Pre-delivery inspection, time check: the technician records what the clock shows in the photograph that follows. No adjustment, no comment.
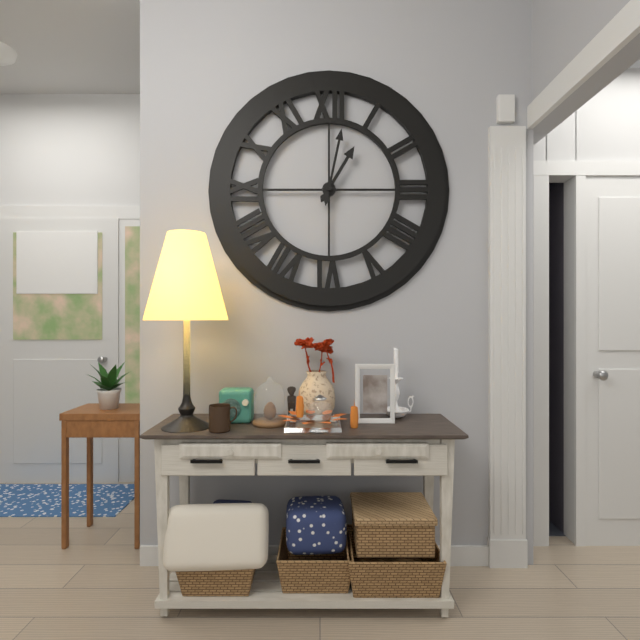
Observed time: 1:02
